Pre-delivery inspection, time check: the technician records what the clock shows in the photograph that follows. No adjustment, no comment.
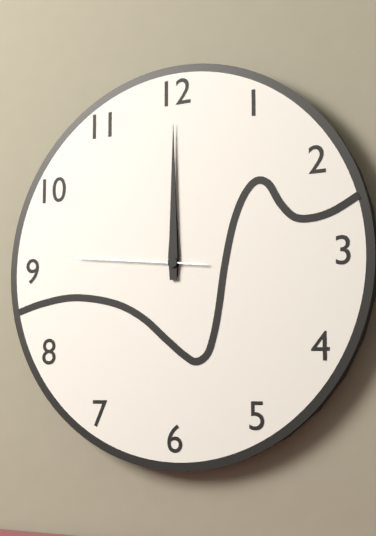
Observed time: 12:00:46
